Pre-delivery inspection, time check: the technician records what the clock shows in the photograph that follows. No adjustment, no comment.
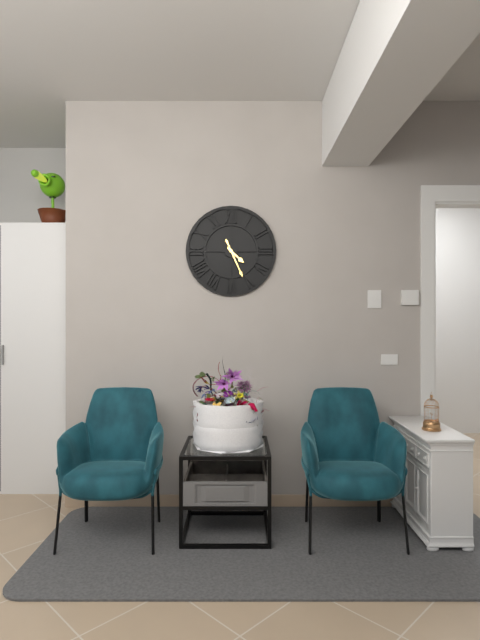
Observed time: 4:26
